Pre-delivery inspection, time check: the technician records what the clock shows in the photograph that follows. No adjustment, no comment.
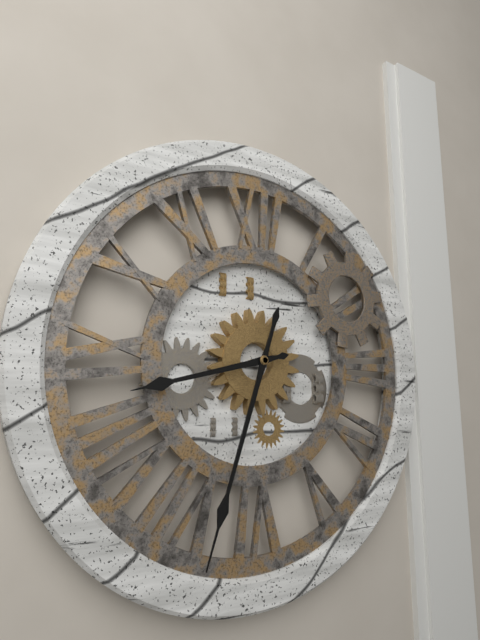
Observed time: 8:33
